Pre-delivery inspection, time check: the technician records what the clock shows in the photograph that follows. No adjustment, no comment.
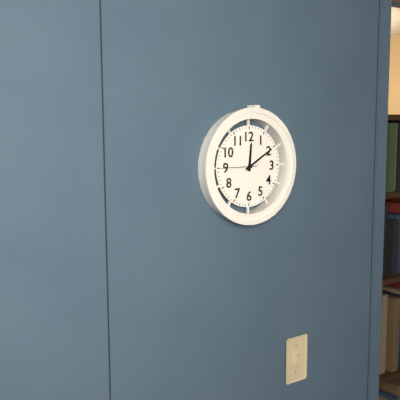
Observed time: 12:10
